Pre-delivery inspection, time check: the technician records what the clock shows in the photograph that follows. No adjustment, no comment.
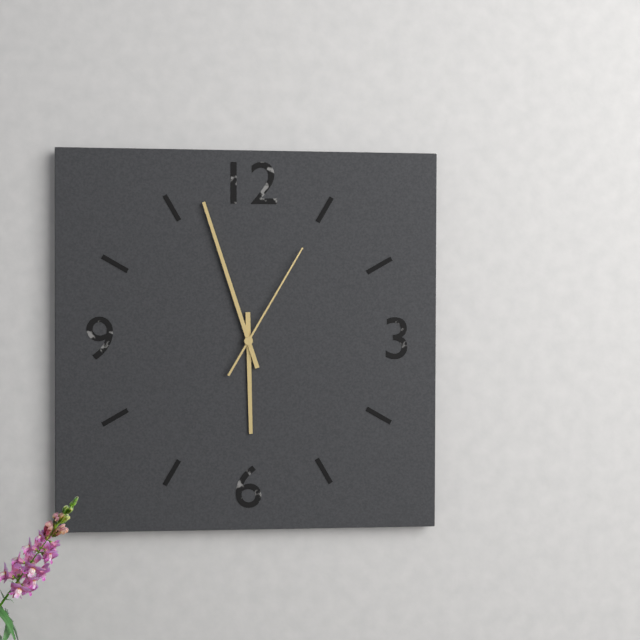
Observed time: 5:57:05
